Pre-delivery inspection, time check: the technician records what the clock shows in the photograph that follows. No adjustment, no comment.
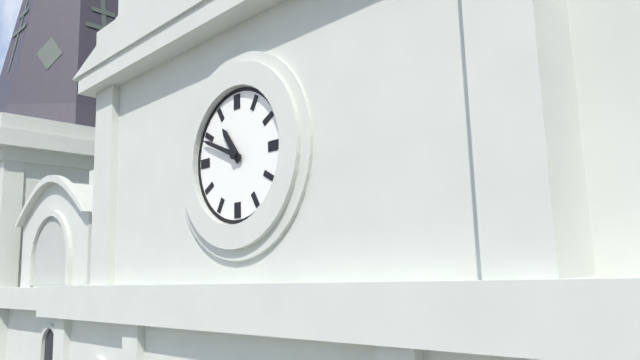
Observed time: 10:49
